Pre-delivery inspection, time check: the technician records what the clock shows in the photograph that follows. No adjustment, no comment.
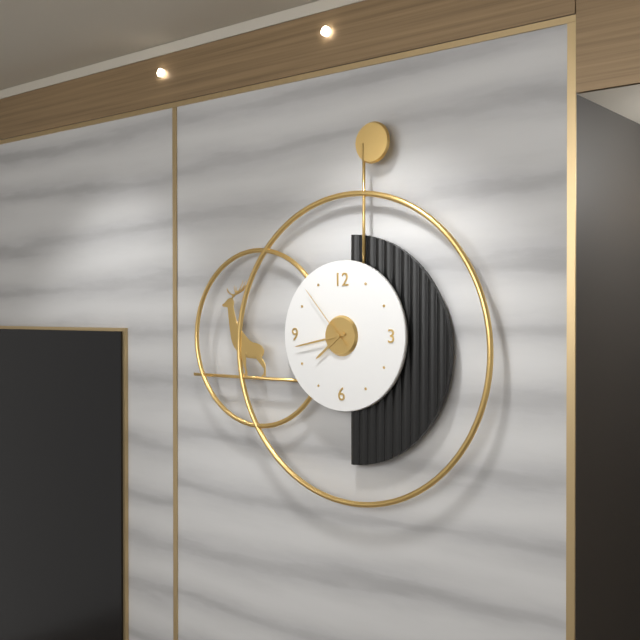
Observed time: 7:43:53
